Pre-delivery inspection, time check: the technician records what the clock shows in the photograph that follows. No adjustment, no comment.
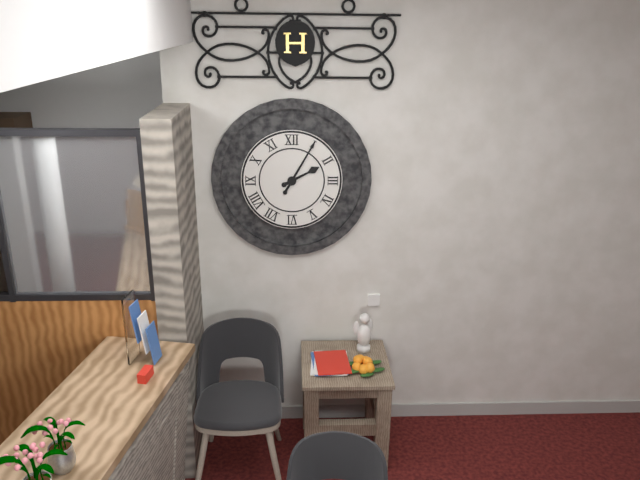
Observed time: 2:05
